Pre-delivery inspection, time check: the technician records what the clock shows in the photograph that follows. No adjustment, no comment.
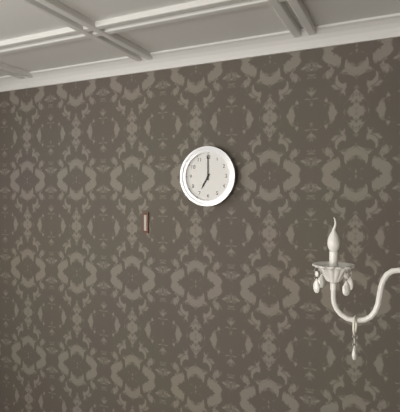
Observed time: 7:00
